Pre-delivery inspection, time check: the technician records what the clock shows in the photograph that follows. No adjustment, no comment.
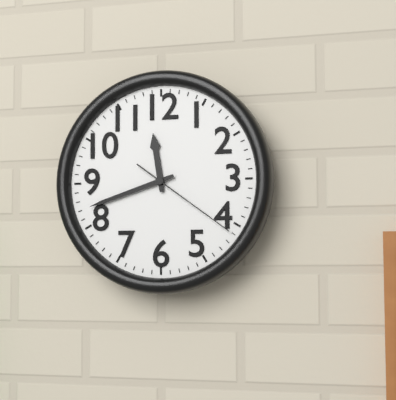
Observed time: 11:42:21
